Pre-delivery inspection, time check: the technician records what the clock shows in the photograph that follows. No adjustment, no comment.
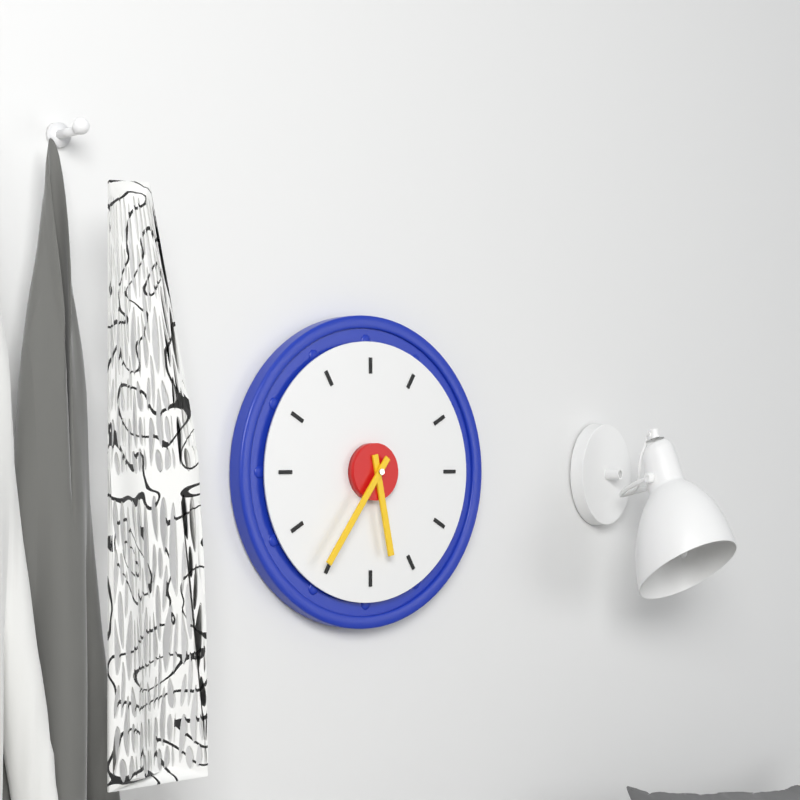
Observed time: 5:36
